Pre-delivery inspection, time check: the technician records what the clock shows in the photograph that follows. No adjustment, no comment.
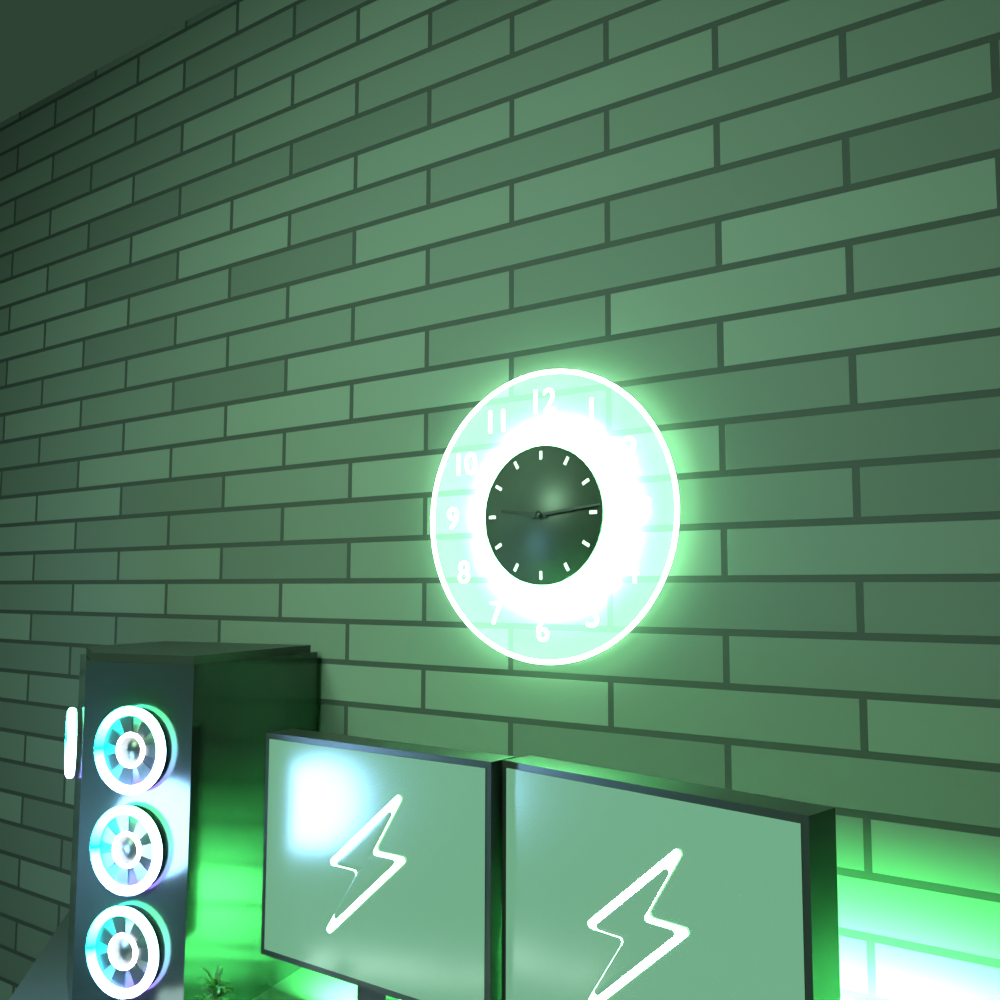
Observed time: 9:14
